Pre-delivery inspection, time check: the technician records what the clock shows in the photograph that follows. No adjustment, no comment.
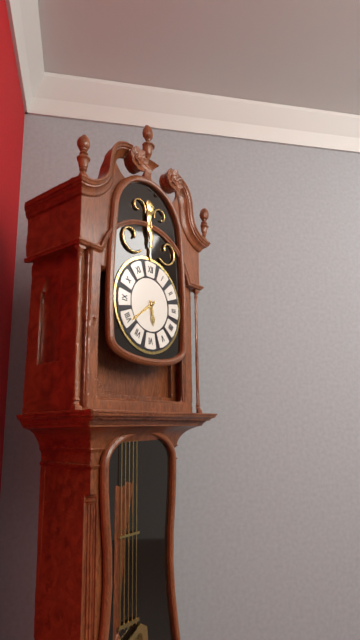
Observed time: 5:39
